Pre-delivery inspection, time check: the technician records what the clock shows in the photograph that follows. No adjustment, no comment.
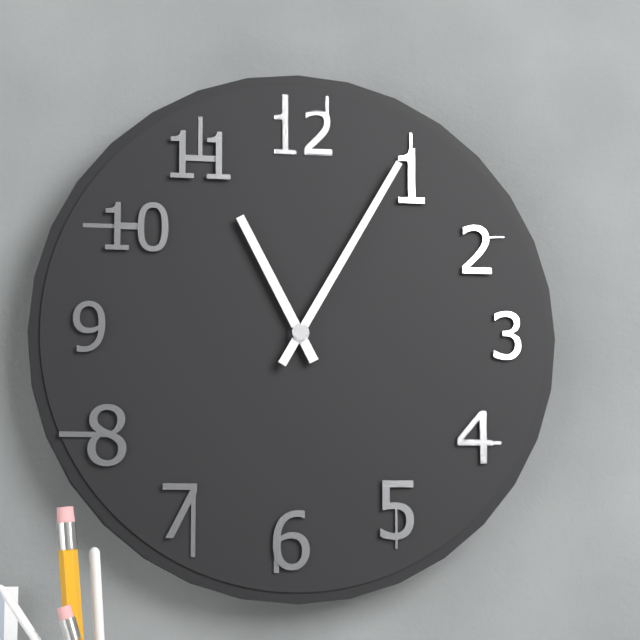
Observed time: 11:05
